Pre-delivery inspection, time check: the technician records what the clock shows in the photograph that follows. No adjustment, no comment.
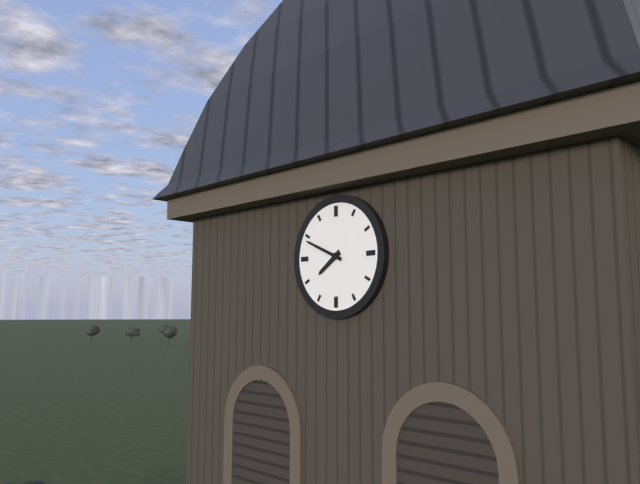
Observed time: 7:49
